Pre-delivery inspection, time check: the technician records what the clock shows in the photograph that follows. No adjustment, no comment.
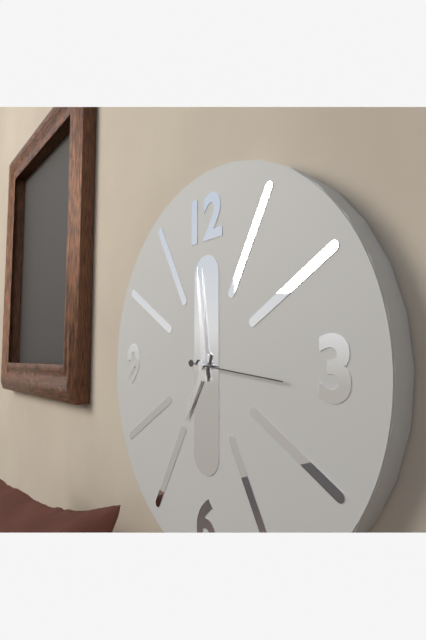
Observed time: 6:59:16
